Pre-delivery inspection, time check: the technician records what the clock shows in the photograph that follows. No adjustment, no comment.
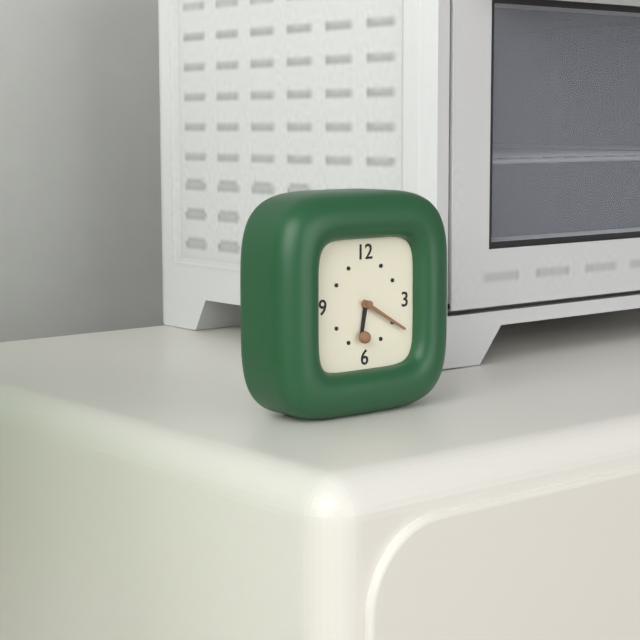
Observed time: 6:20
